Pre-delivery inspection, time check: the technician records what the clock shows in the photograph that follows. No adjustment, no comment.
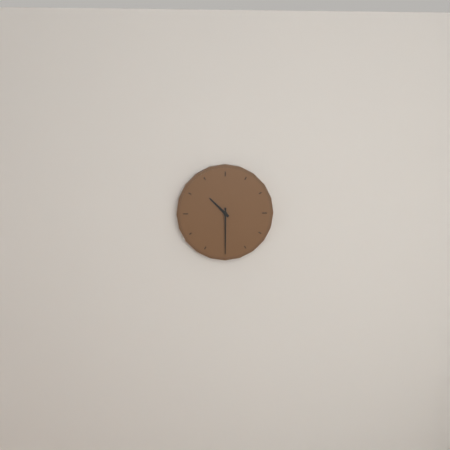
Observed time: 10:30
